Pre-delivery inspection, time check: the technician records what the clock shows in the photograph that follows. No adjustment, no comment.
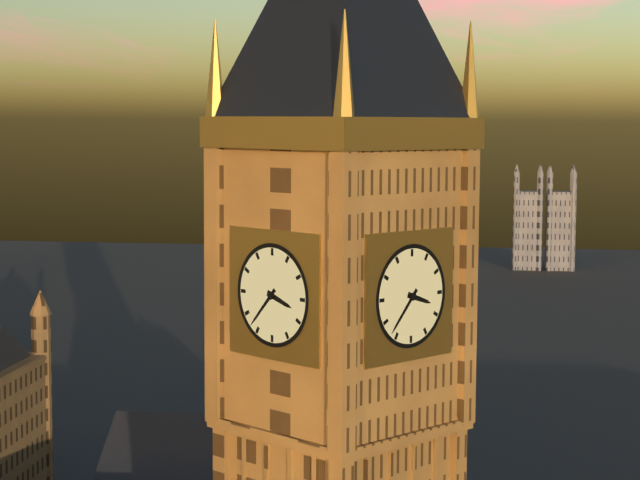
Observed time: 3:37
